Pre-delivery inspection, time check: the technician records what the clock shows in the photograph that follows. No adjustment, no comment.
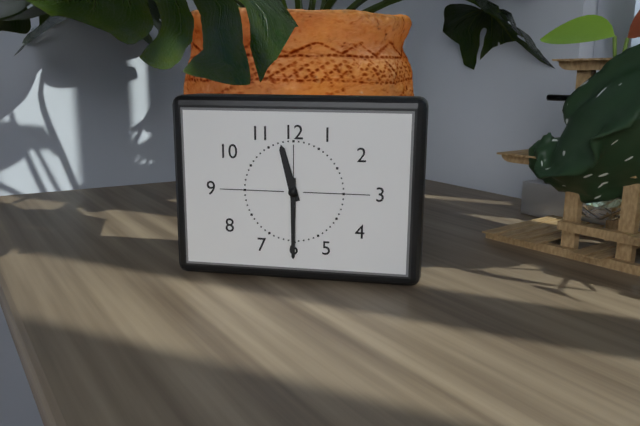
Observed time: 11:30
